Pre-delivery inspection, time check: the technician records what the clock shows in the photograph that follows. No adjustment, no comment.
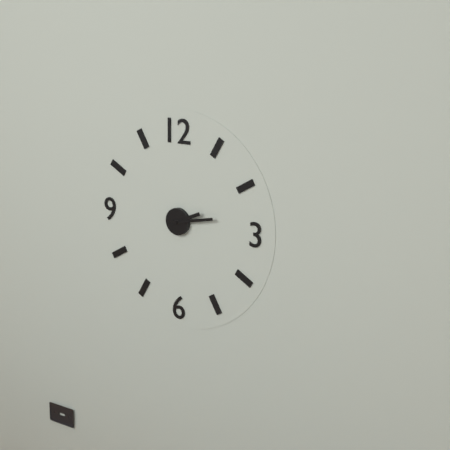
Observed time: 2:13
